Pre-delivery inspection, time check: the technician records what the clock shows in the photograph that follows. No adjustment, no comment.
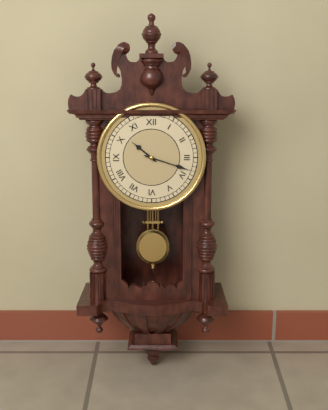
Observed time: 10:18
